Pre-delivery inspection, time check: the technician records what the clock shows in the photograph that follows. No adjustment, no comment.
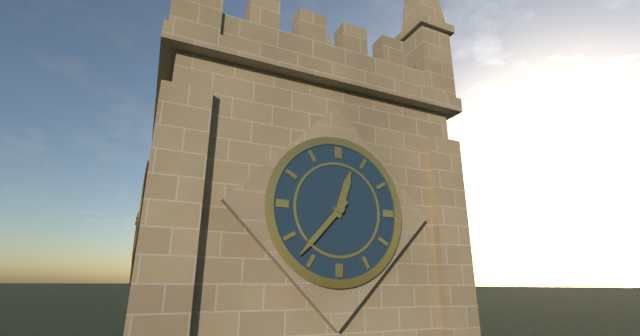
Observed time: 12:37
